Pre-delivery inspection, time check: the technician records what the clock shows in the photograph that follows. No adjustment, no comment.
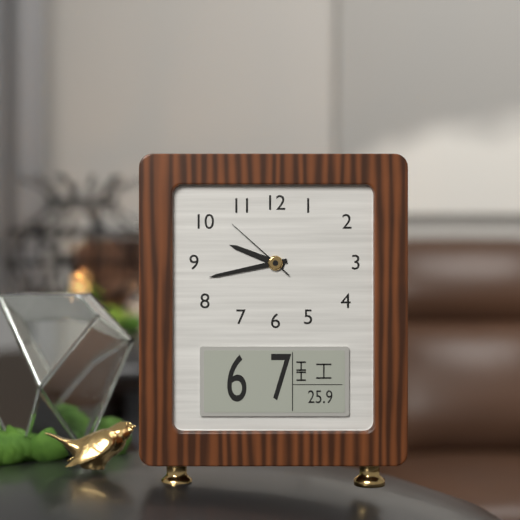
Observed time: 9:43:52
